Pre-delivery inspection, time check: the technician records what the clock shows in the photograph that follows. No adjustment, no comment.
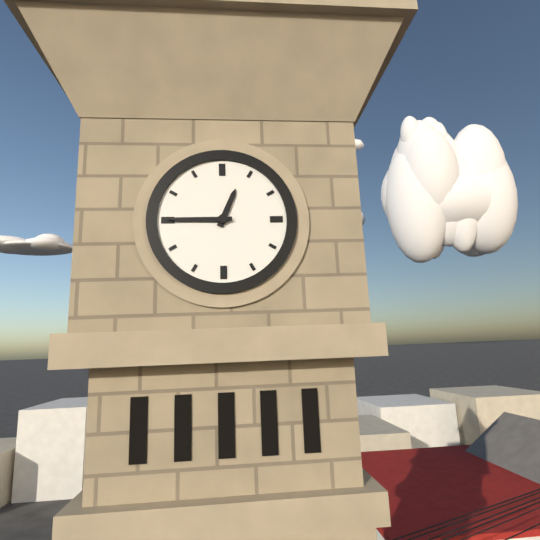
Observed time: 12:45
